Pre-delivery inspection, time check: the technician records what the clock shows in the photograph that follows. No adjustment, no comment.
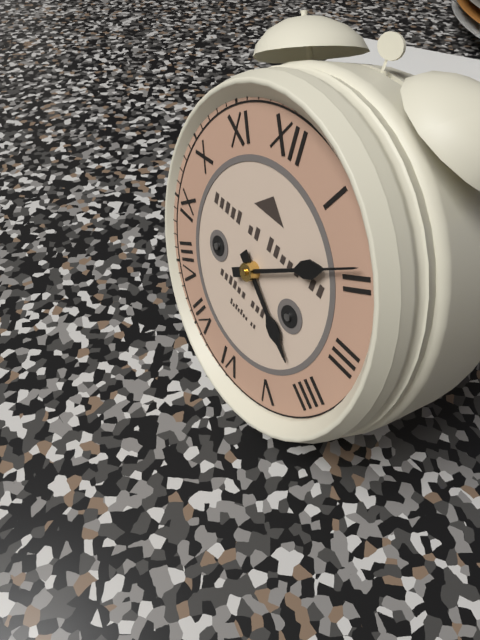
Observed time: 4:09
